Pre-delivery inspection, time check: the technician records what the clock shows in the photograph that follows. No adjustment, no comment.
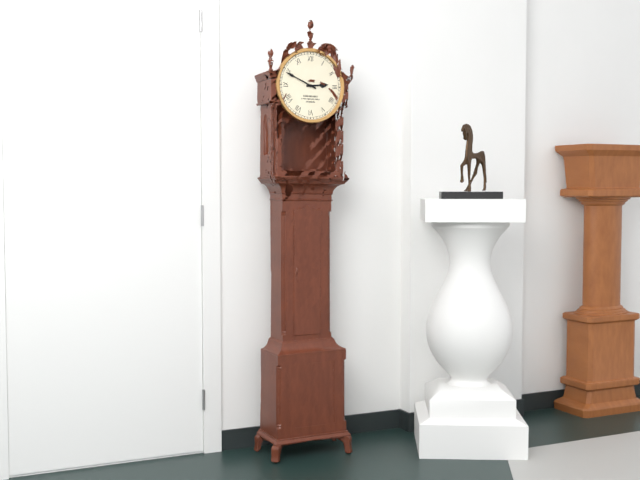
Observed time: 2:49
